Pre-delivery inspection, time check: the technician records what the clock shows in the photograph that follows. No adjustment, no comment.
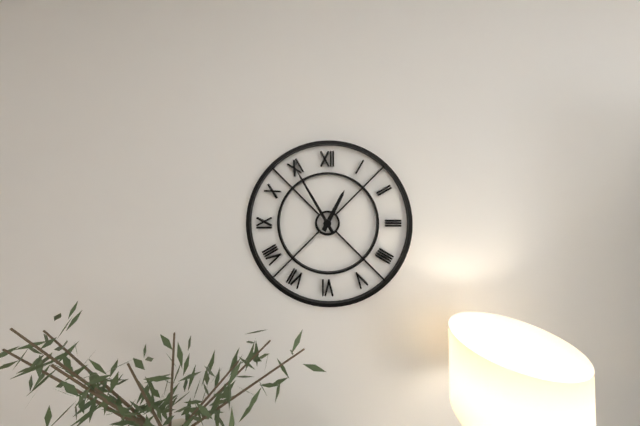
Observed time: 12:55
